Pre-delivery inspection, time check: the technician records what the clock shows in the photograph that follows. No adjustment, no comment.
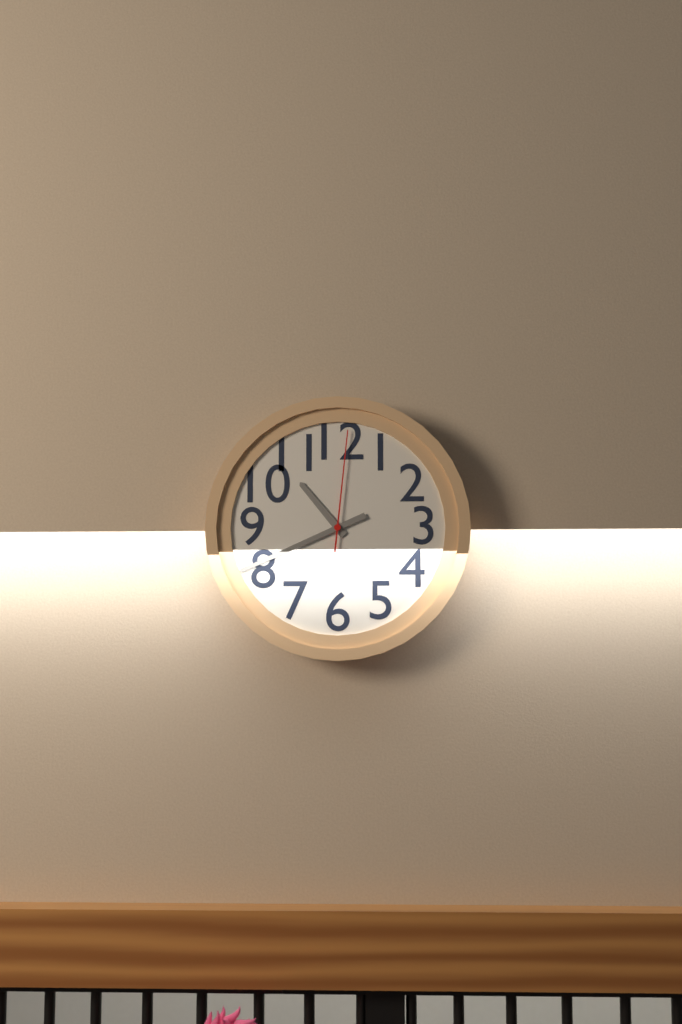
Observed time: 10:41:01
